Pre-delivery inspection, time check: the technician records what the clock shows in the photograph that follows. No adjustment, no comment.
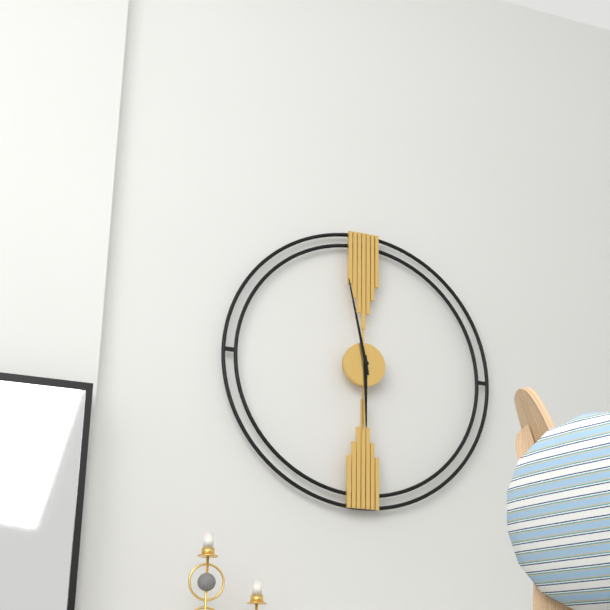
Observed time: 5:58
